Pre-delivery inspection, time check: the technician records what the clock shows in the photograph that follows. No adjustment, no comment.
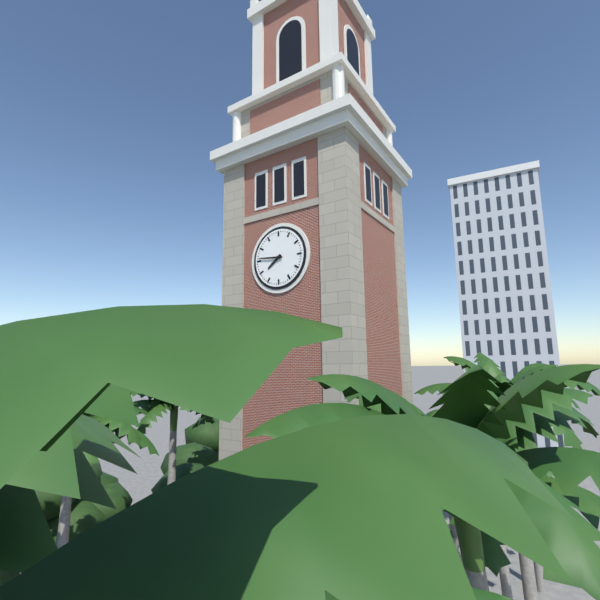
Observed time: 7:46
